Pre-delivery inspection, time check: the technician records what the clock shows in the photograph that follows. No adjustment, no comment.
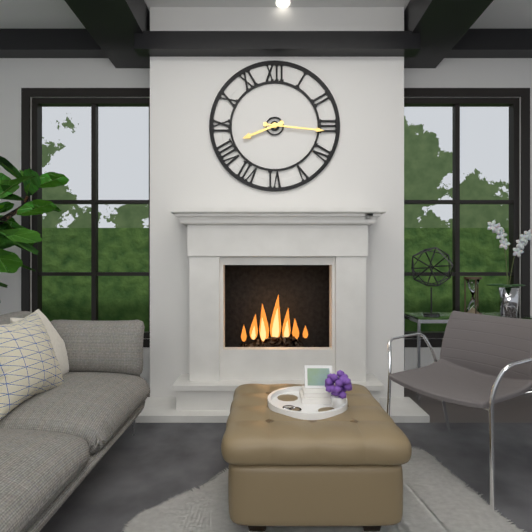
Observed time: 8:16
